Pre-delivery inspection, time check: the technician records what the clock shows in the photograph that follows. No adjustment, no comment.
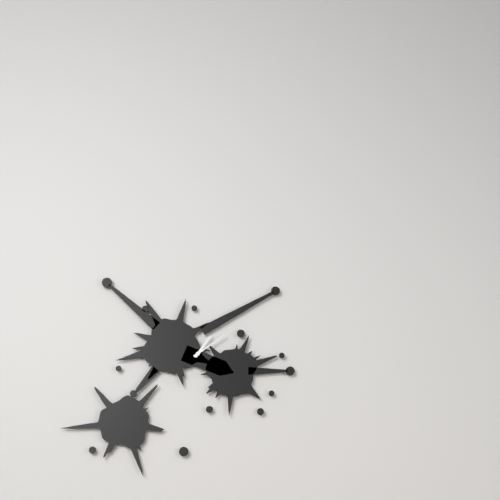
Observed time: 1:09
